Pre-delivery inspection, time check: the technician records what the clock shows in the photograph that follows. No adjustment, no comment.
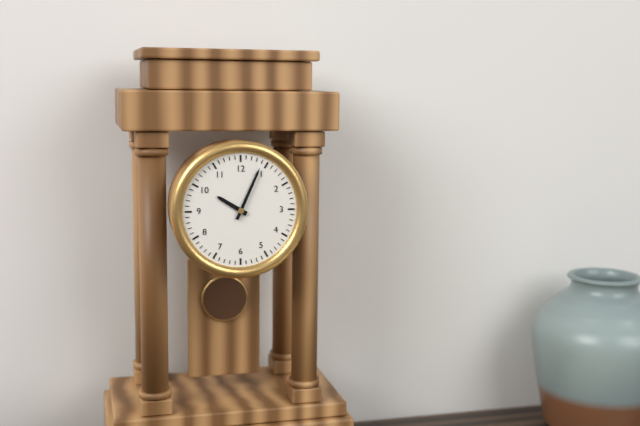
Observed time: 10:04
